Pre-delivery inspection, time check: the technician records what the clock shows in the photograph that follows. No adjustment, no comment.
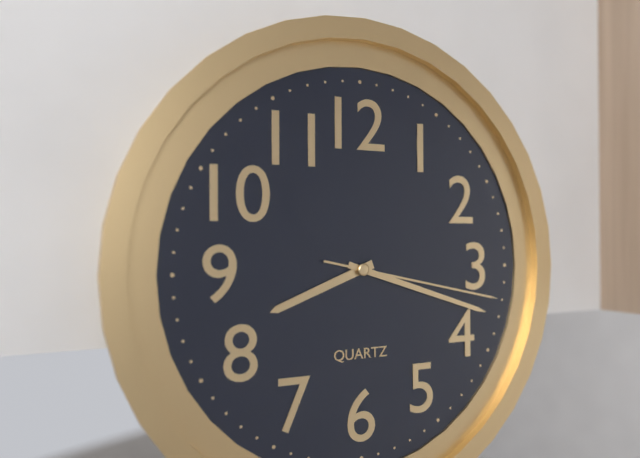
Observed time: 8:18:17
